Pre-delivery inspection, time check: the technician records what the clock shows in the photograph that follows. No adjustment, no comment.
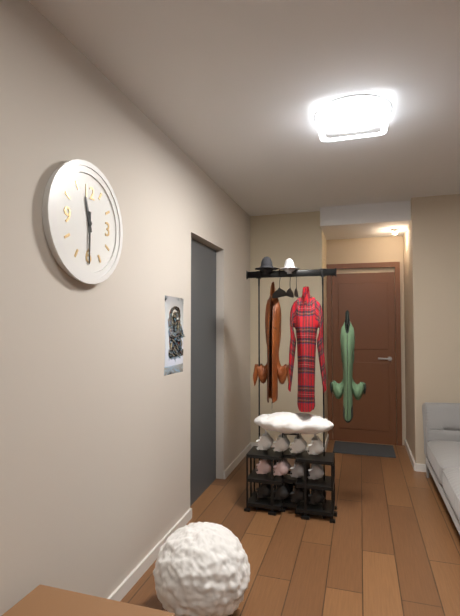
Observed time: 11:30
